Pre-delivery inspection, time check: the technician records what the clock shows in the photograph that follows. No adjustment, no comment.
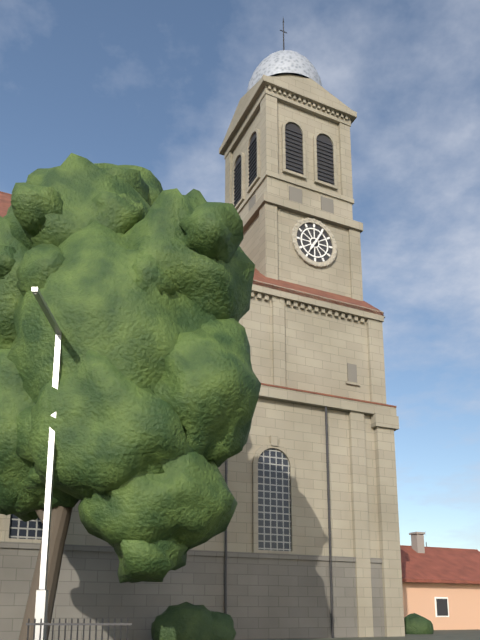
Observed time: 7:05
